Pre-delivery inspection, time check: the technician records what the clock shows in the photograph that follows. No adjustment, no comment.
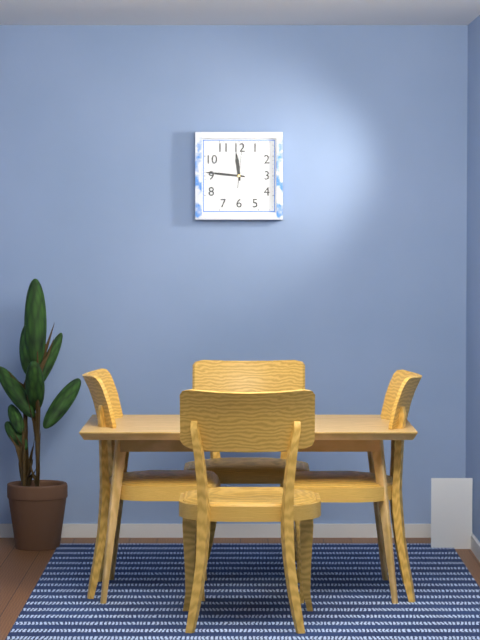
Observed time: 11:46
